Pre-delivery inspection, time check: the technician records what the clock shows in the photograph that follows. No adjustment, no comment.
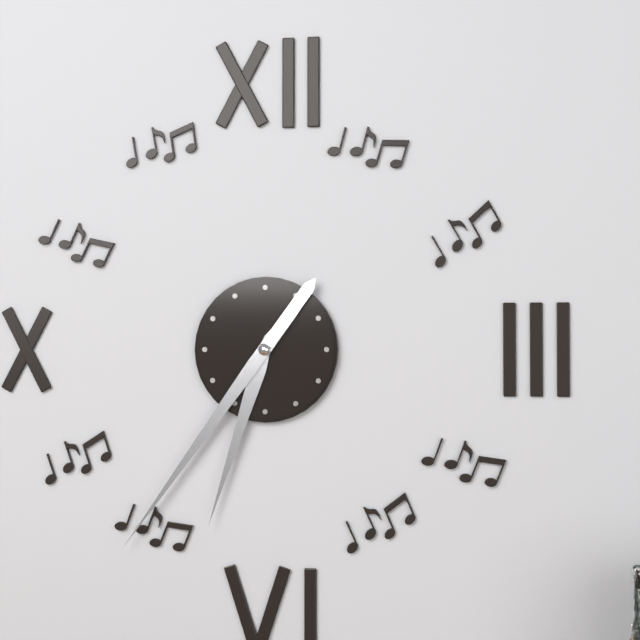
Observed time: 6:36
